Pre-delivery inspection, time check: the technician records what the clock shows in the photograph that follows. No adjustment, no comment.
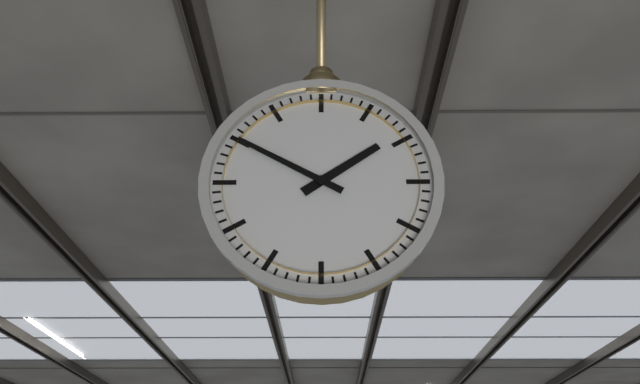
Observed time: 1:50
